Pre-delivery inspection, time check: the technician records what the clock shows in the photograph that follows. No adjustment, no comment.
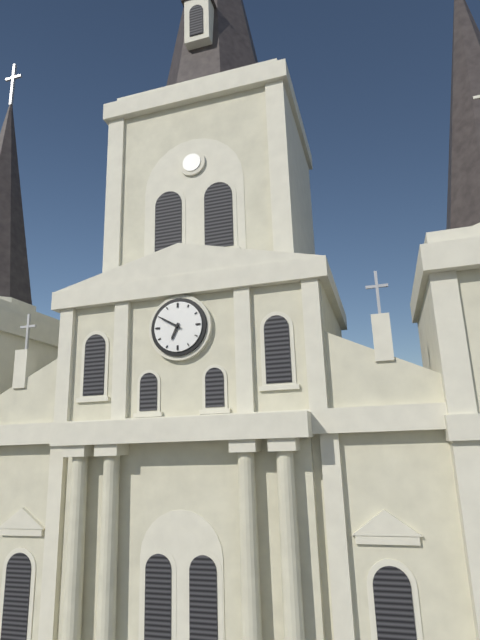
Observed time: 6:50
